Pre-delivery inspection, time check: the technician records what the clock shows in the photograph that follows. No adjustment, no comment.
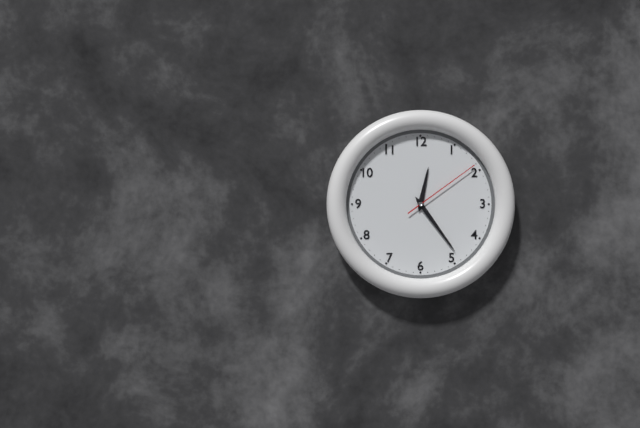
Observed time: 12:24:09
